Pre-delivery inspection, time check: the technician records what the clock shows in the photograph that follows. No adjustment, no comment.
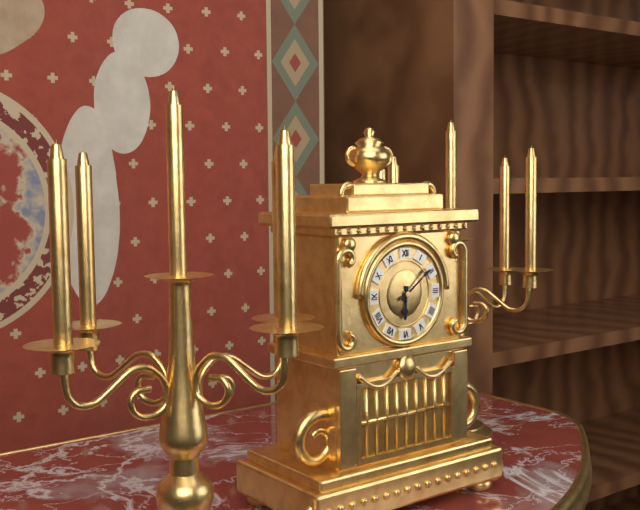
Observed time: 6:09
